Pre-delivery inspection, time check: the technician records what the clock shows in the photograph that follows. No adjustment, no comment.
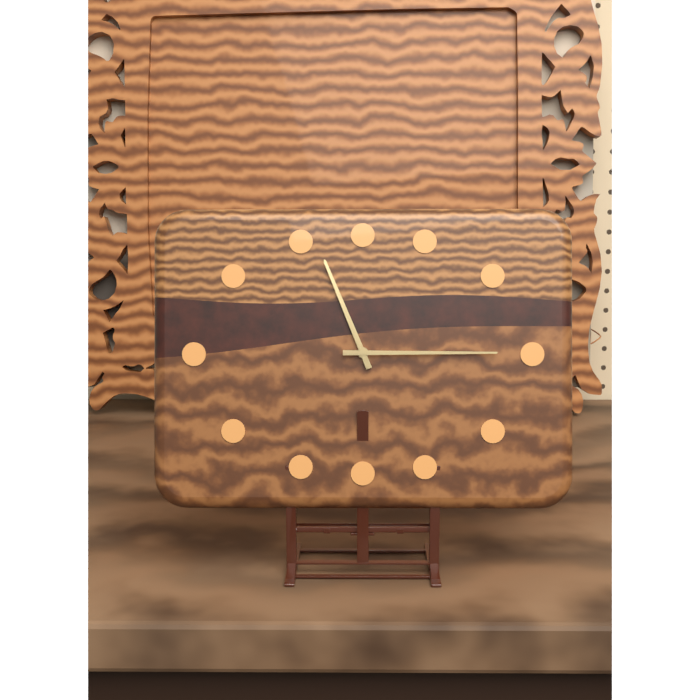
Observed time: 11:15
